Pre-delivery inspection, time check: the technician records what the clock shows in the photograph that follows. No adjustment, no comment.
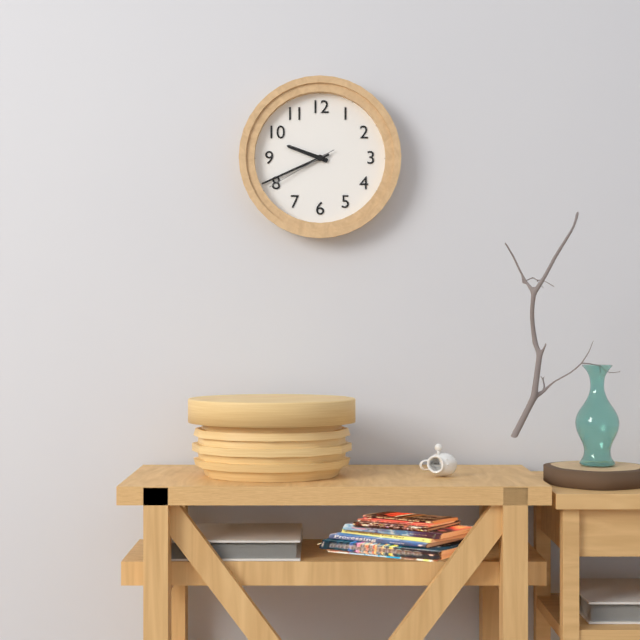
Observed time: 9:41:40
